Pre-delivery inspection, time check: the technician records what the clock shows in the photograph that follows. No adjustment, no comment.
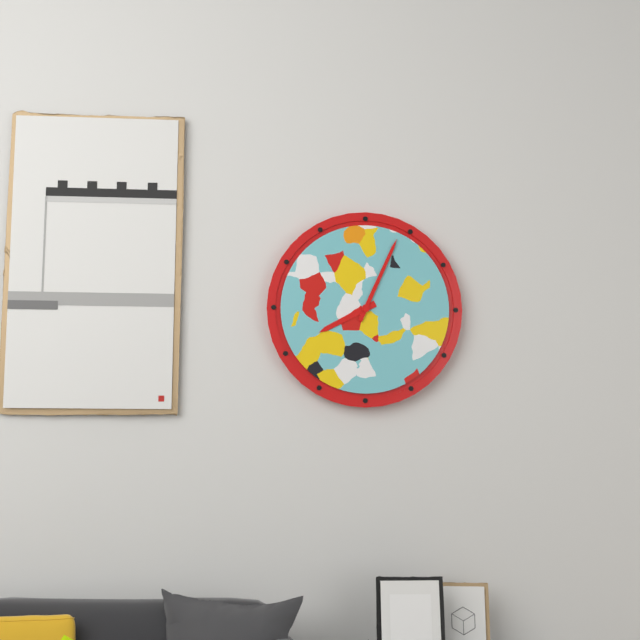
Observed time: 8:04
